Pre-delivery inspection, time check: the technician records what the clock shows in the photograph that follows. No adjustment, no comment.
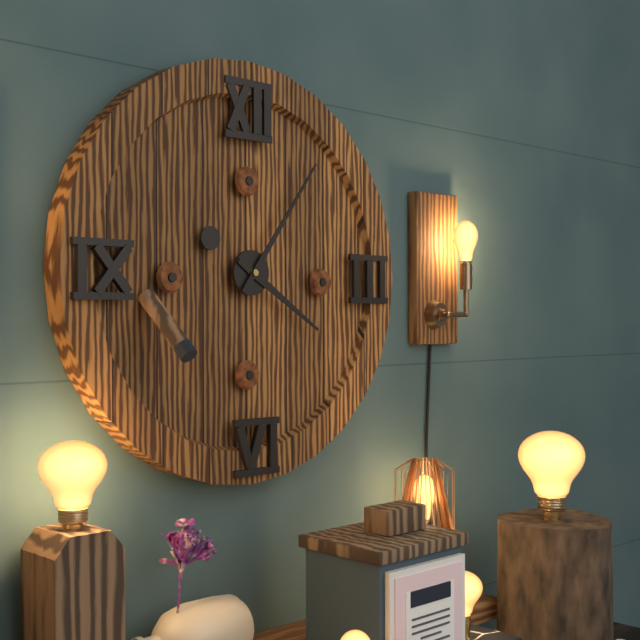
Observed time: 4:06
